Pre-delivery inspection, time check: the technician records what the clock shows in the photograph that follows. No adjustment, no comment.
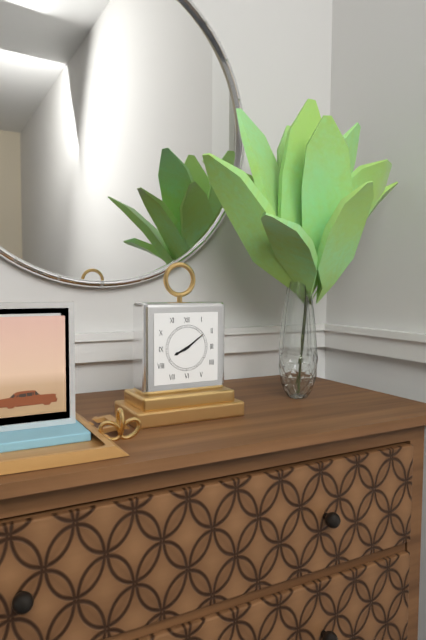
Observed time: 8:09
